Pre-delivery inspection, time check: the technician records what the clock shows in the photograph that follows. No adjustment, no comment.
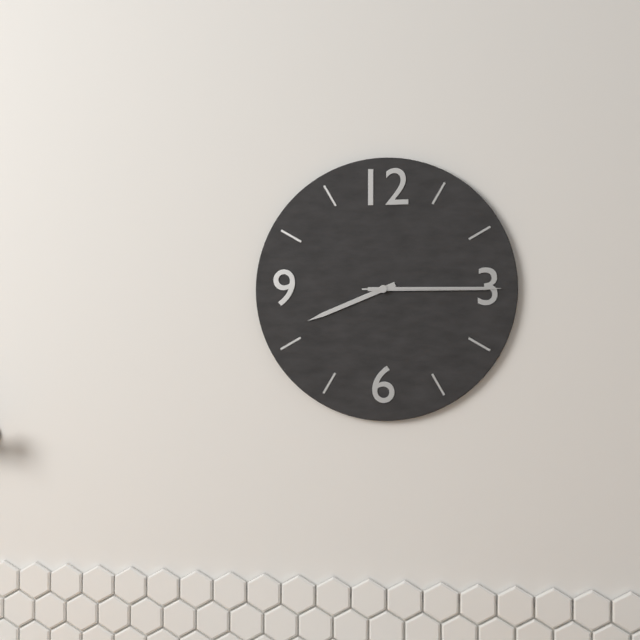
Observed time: 8:15:15
